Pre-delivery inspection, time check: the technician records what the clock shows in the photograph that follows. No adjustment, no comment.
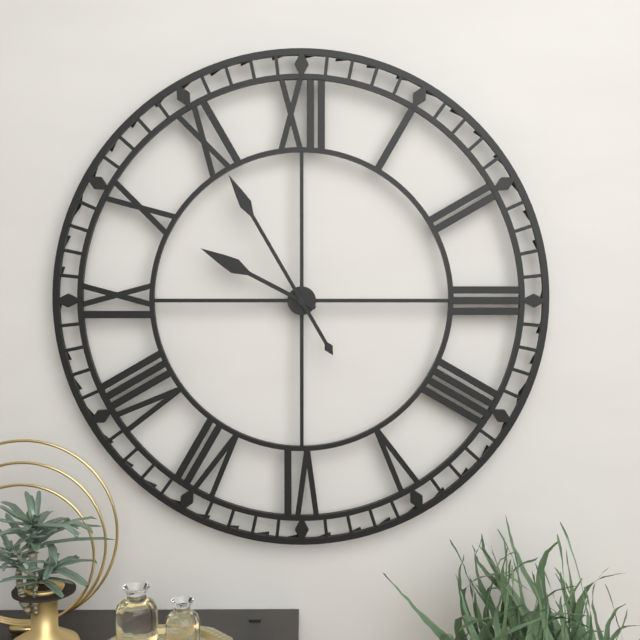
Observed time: 9:55
